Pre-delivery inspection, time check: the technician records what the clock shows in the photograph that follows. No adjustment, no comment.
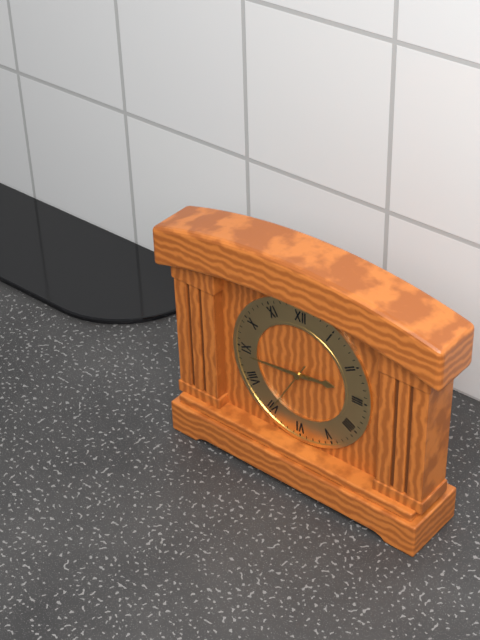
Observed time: 2:44:35
